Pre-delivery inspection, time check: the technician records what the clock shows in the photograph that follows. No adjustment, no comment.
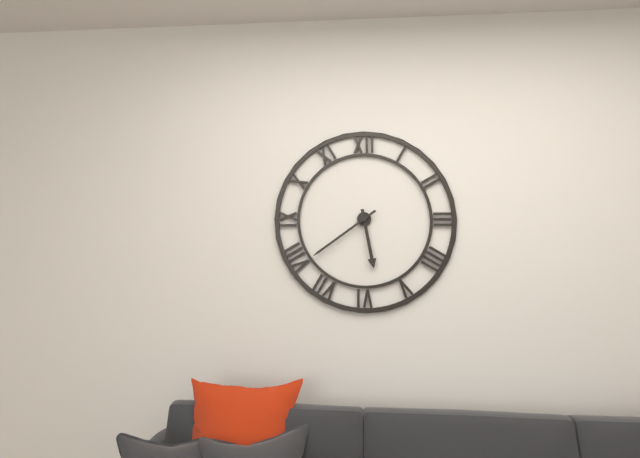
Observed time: 5:39
